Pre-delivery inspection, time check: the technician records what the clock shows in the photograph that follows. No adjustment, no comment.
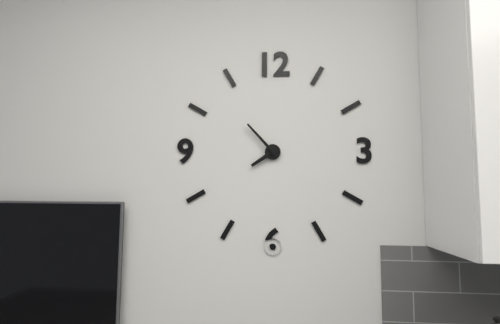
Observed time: 7:53
